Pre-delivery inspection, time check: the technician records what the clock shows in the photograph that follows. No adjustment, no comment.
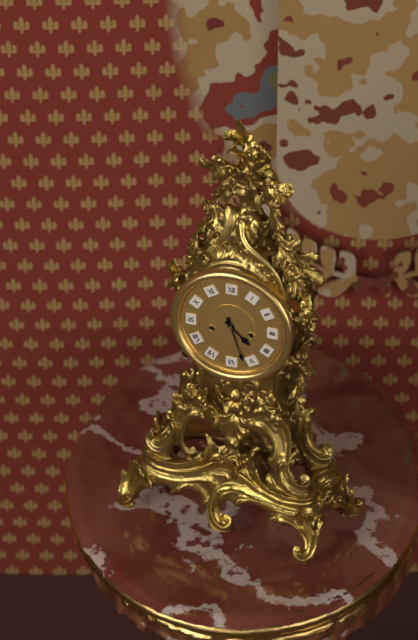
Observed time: 4:27
